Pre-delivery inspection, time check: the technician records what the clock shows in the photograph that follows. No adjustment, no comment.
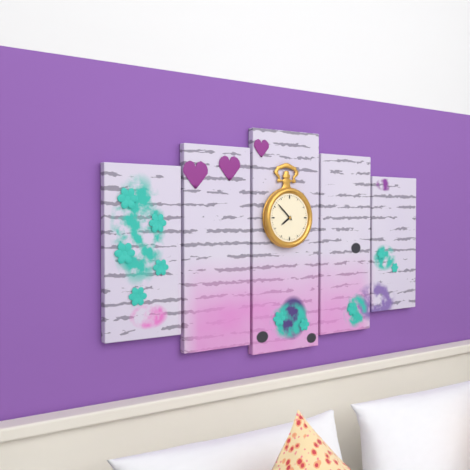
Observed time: 7:52
